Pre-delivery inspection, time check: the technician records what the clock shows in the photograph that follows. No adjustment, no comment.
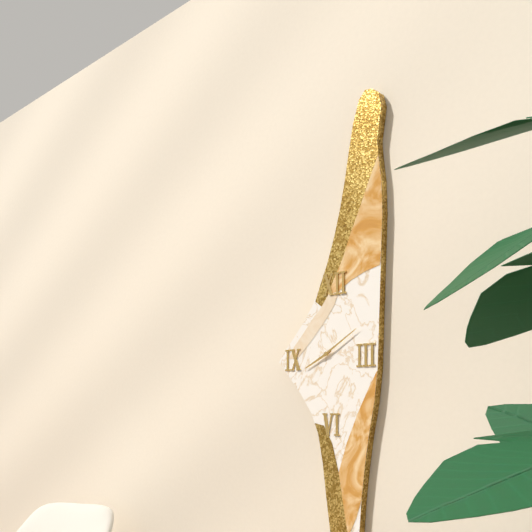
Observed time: 8:10
